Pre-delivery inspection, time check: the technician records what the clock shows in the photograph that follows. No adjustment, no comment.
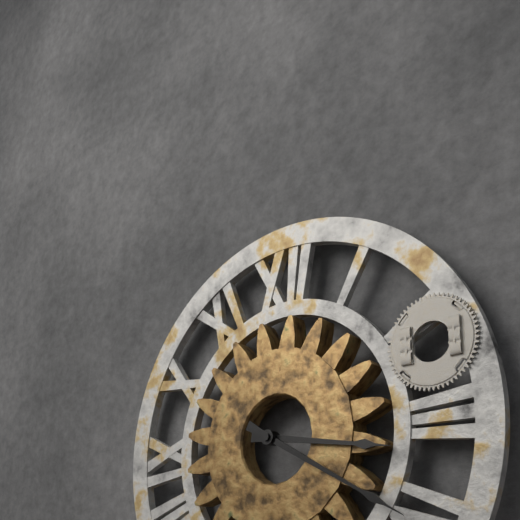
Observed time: 3:20
